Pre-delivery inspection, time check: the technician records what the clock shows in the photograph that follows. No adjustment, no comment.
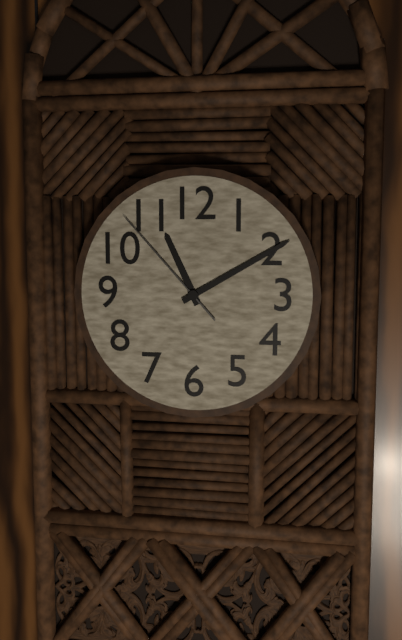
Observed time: 11:10:53
